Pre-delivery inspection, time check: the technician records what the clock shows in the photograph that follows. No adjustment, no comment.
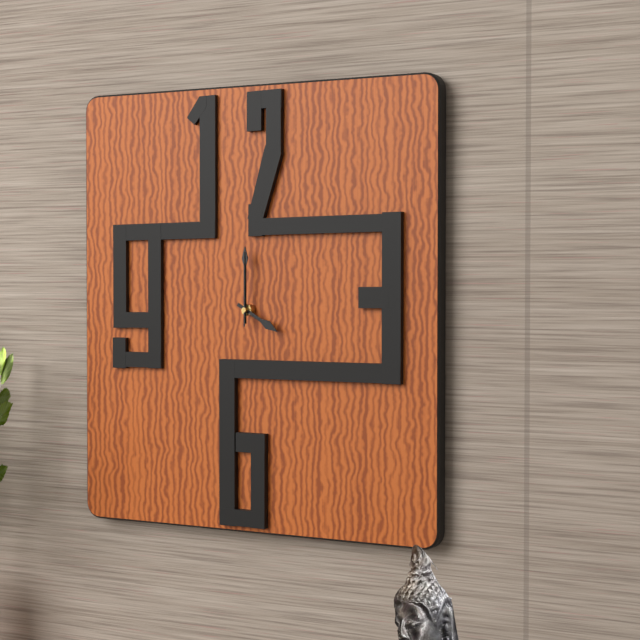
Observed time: 4:00:00
